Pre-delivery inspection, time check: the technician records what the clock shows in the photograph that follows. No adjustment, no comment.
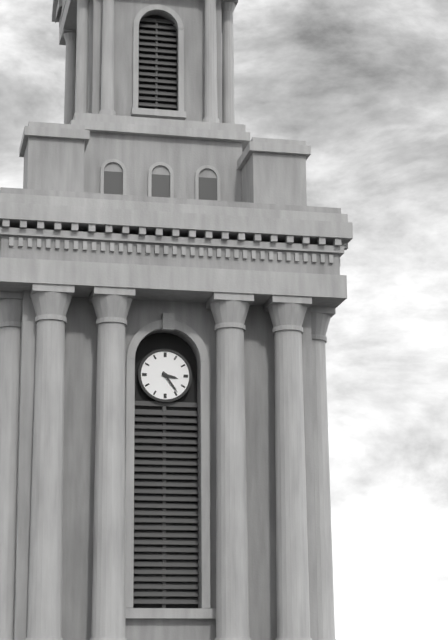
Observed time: 3:24
